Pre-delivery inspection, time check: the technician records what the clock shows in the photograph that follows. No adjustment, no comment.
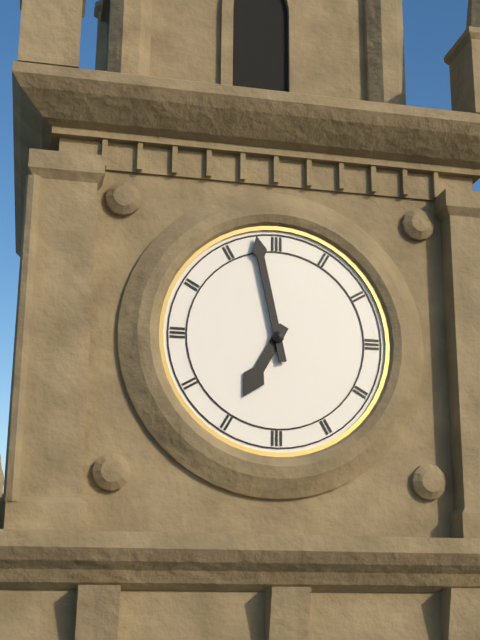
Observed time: 6:58
